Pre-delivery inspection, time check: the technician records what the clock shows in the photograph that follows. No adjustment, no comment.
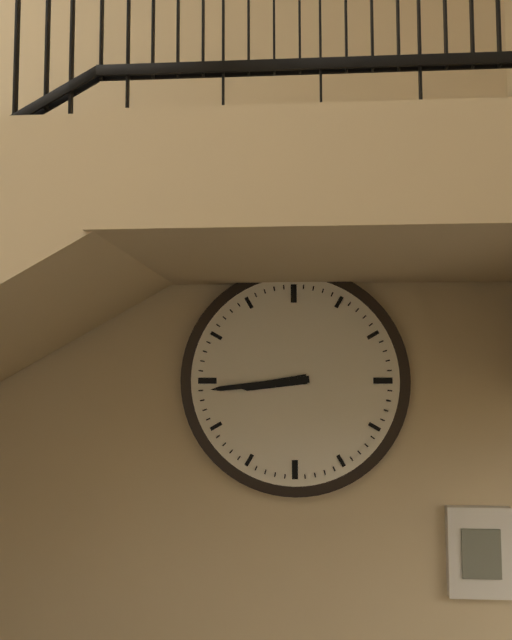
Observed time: 8:44
